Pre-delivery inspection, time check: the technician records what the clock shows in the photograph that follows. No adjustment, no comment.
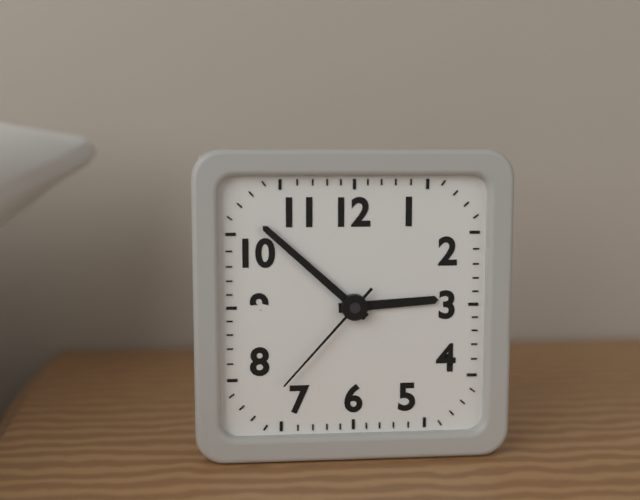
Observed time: 2:52:37
